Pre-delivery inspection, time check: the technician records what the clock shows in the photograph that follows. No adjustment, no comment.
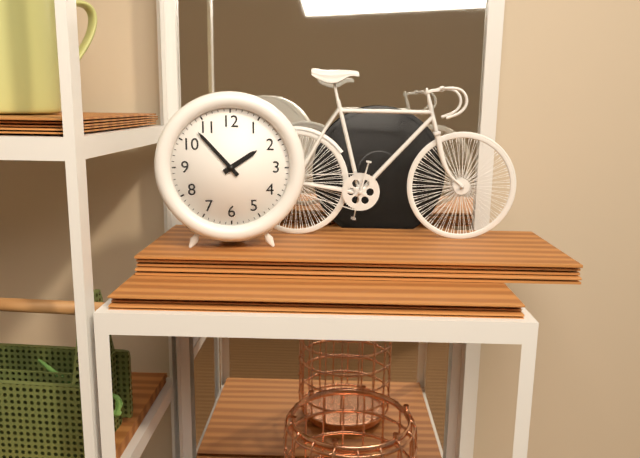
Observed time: 1:53
